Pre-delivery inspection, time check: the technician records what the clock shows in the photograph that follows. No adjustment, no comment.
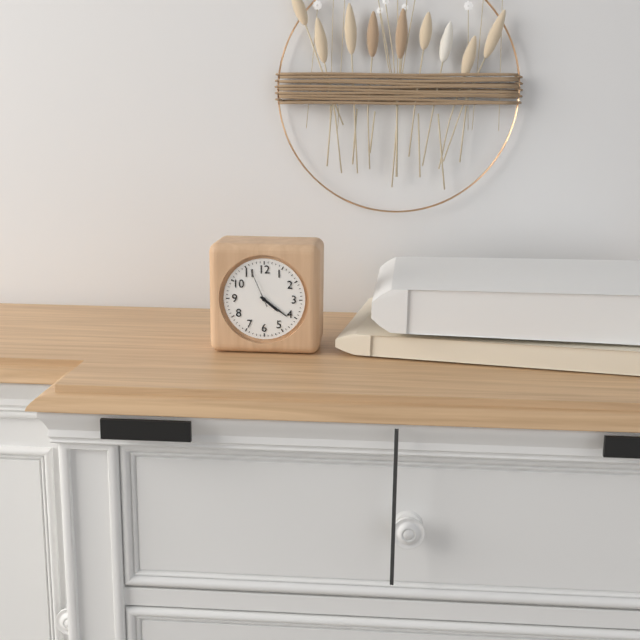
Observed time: 4:21
